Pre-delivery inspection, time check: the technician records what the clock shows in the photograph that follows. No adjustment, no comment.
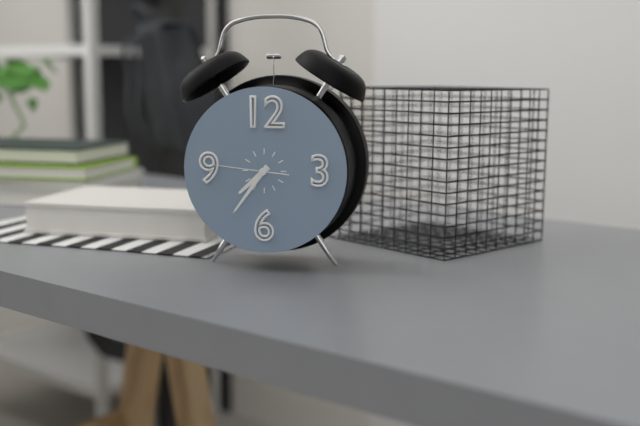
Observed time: 7:36:46
